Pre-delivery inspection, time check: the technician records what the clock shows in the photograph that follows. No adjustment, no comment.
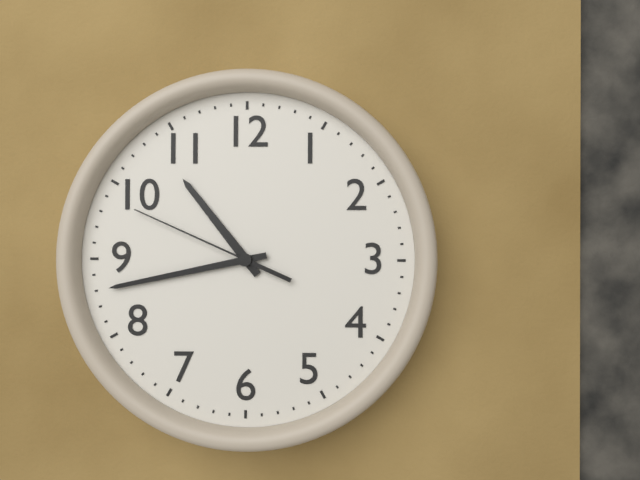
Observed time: 10:43:49
